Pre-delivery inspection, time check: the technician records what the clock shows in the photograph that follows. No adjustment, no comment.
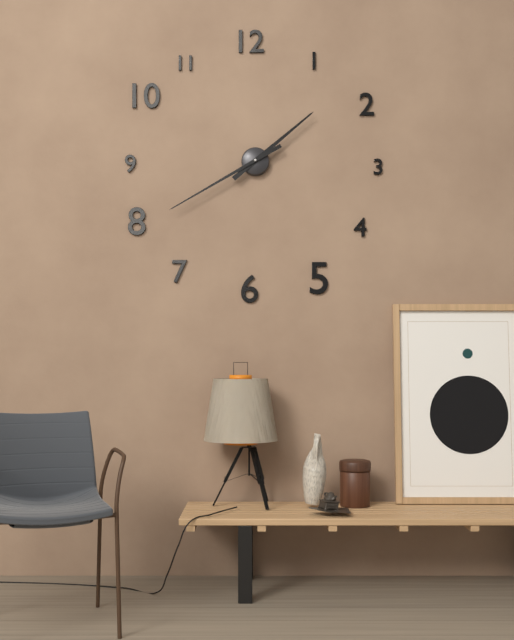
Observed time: 1:40
